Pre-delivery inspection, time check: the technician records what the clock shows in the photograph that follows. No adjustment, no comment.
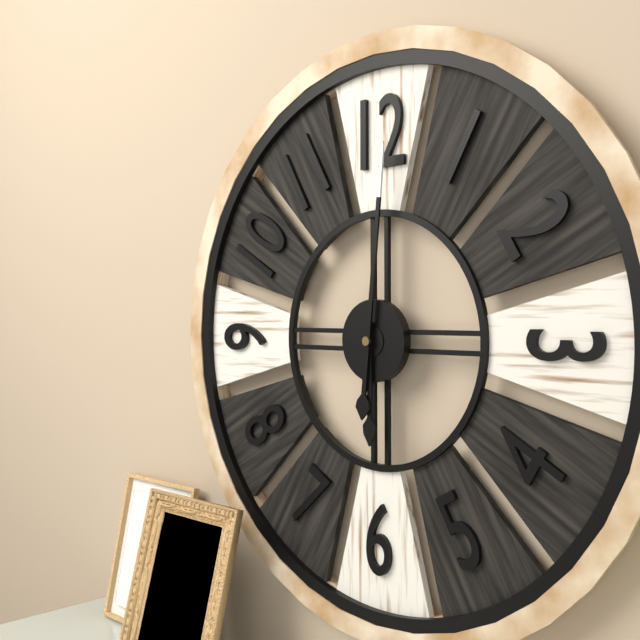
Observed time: 6:01
